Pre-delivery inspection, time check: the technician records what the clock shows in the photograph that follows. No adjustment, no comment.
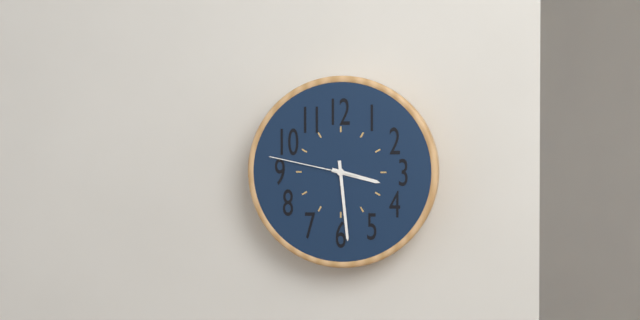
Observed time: 3:29:47
